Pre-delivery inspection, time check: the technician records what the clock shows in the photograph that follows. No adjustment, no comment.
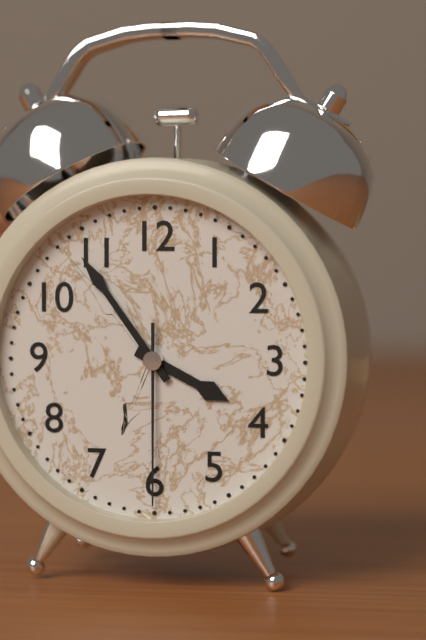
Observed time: 3:54:30
